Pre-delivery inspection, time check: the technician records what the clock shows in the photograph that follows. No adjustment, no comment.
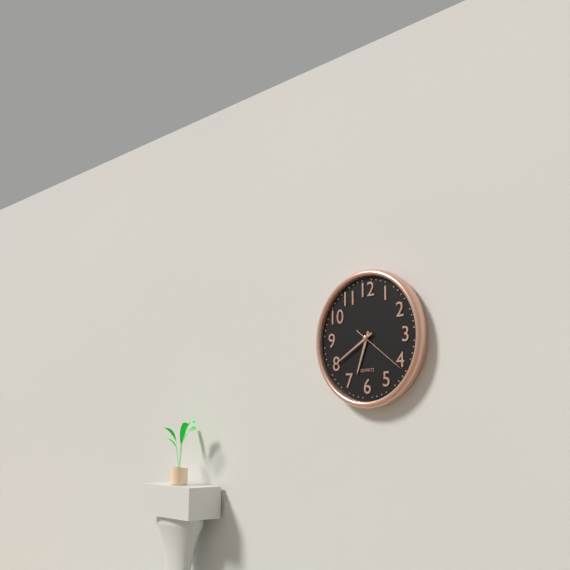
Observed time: 6:40:21
